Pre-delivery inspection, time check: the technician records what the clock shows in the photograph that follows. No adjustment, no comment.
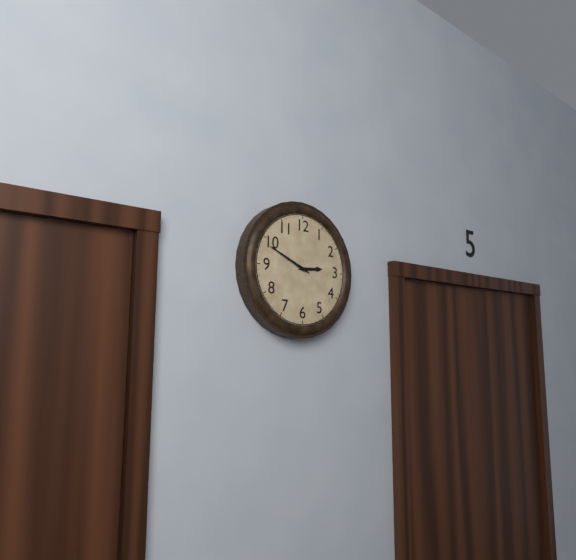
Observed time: 2:49
